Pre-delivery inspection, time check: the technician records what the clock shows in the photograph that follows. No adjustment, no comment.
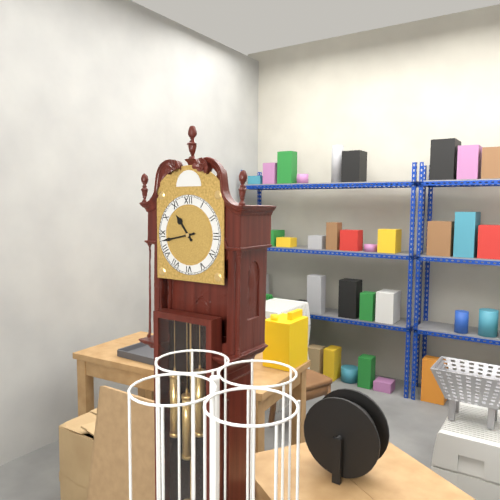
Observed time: 10:43
